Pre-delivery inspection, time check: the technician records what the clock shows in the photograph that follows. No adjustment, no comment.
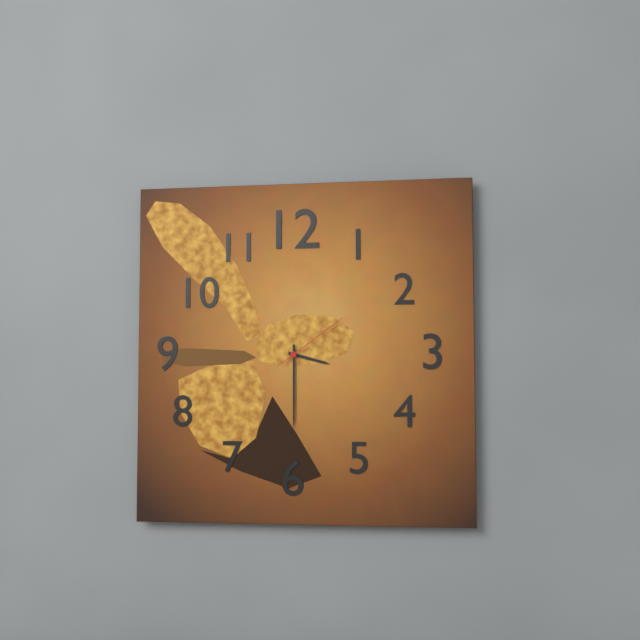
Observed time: 3:30:09
